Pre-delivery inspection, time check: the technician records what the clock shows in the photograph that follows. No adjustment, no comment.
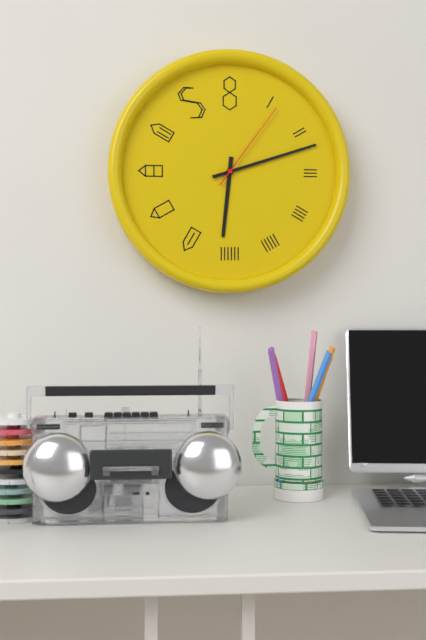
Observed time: 6:12:06
